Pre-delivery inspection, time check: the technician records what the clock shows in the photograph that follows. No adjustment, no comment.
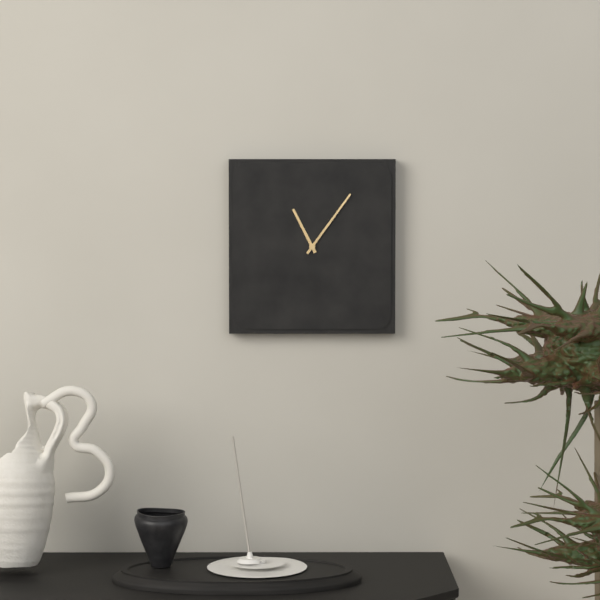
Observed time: 11:06
